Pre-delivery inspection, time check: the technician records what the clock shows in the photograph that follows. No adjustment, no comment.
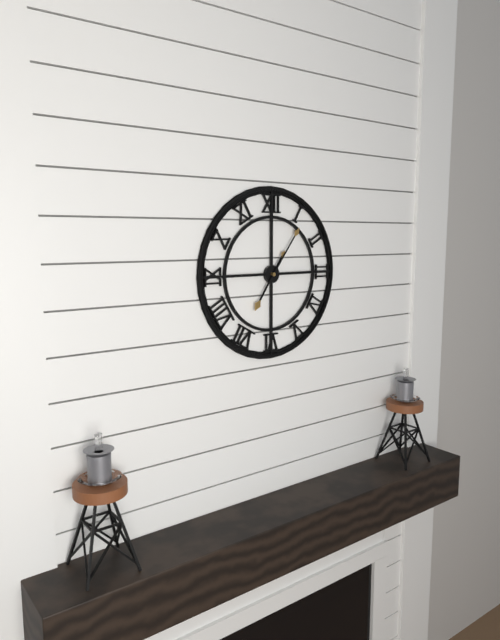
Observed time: 7:06
